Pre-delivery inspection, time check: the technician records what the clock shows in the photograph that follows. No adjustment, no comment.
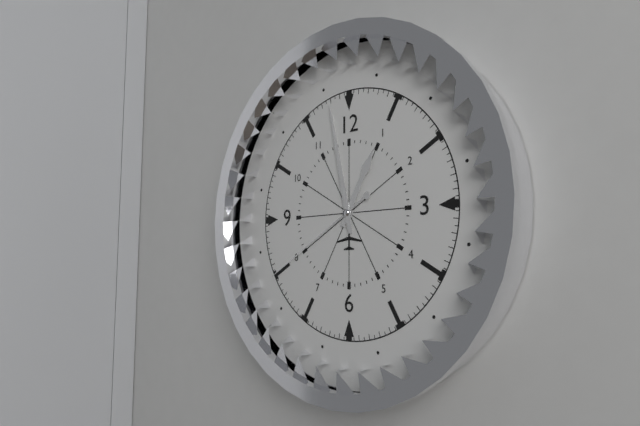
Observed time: 12:58:40
